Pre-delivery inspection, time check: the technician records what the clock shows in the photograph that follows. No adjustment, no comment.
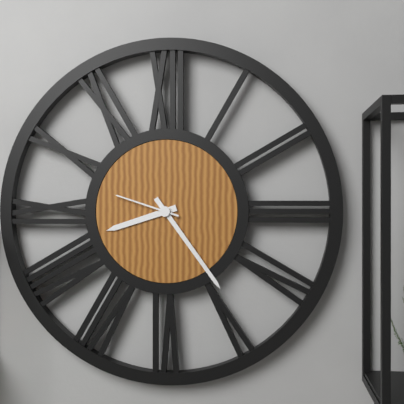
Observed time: 8:24:48
